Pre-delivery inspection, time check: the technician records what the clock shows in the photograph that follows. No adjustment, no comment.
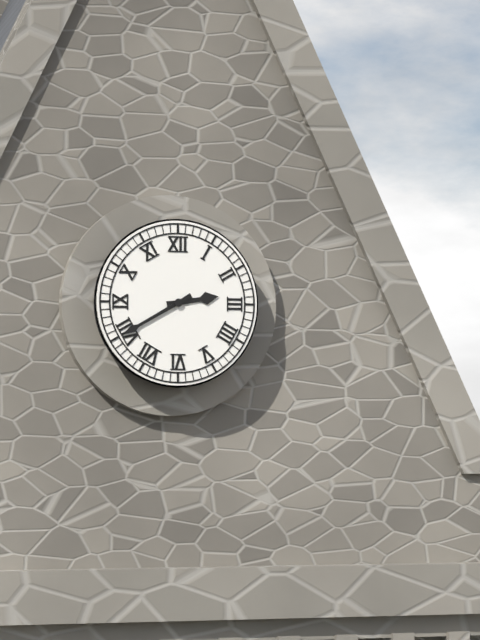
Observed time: 2:40
